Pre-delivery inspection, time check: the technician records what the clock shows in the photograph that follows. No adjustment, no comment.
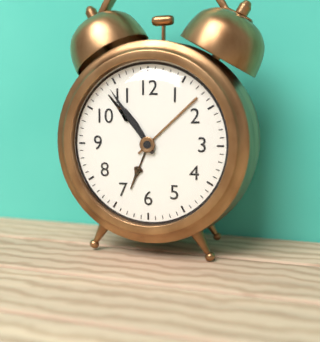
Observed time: 10:54
